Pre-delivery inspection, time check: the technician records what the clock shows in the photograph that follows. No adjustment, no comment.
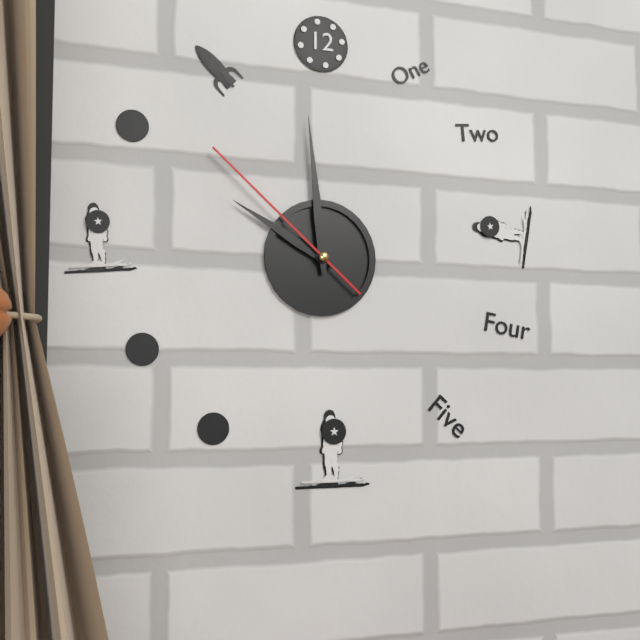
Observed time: 9:59:52
